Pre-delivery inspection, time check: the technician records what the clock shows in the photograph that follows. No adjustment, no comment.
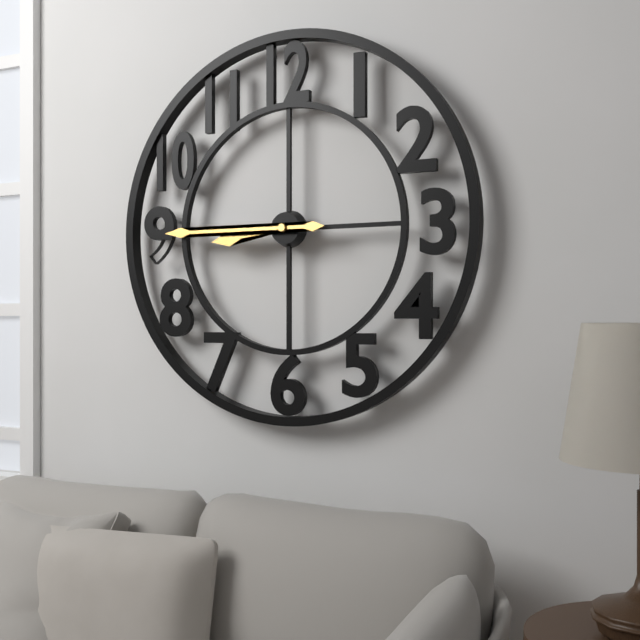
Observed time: 8:45
